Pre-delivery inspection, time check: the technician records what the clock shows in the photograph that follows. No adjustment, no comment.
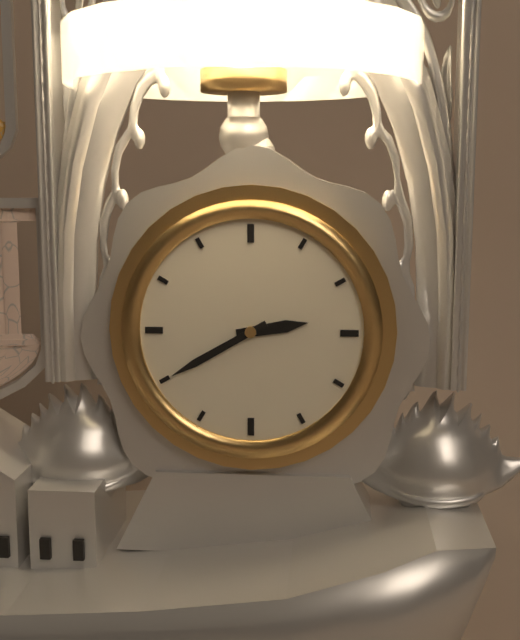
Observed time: 2:40
